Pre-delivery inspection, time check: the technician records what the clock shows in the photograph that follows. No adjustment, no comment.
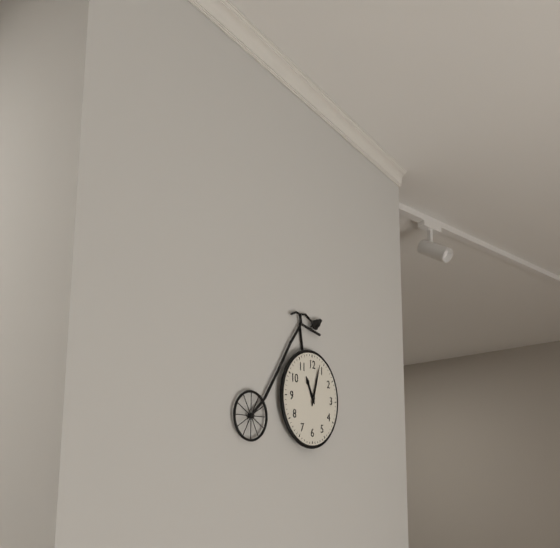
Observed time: 11:03
